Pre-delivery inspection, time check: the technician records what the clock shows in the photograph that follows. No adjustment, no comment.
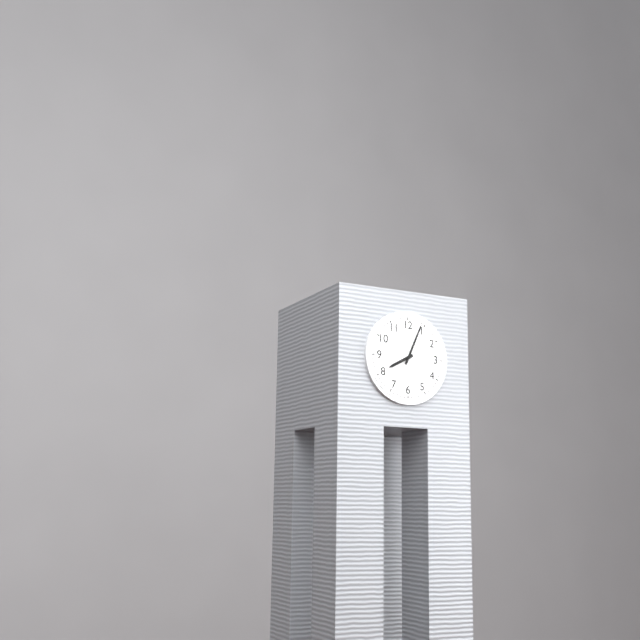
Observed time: 8:04
